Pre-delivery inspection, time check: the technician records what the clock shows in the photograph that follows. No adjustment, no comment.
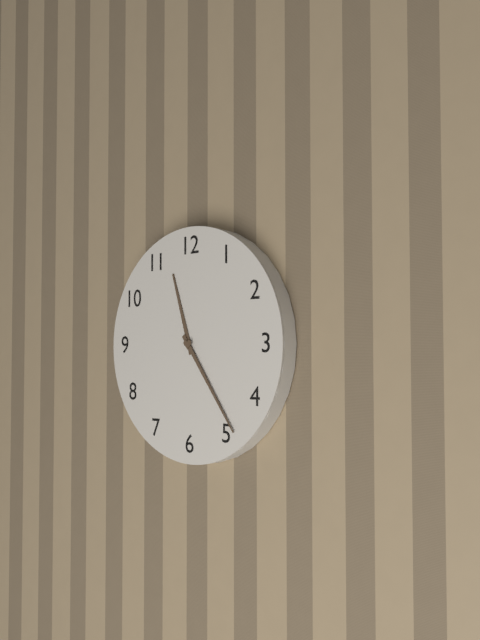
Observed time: 11:24
